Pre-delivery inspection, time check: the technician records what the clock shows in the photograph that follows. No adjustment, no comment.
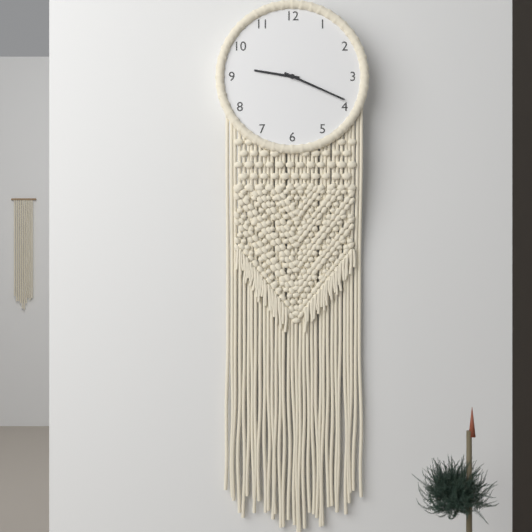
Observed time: 9:19
